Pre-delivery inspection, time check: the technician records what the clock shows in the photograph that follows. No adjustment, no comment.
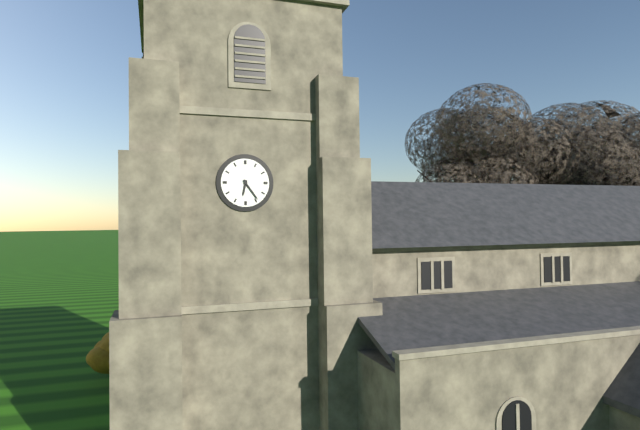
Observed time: 6:24
